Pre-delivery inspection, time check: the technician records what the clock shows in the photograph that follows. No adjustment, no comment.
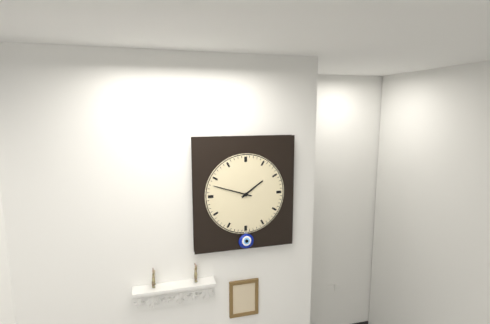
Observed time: 1:48
